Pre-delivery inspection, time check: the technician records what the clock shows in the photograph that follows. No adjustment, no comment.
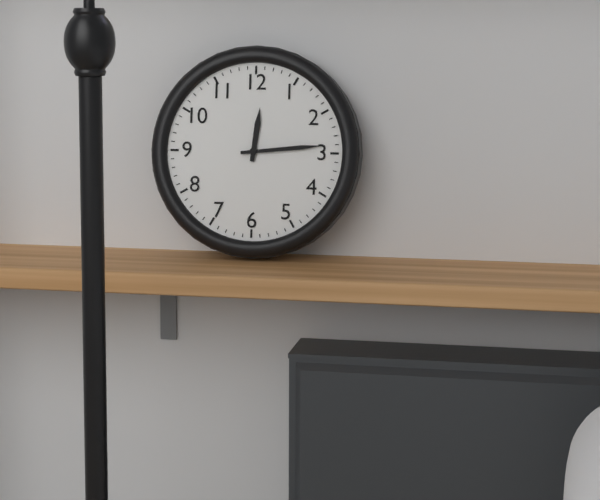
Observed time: 12:14
